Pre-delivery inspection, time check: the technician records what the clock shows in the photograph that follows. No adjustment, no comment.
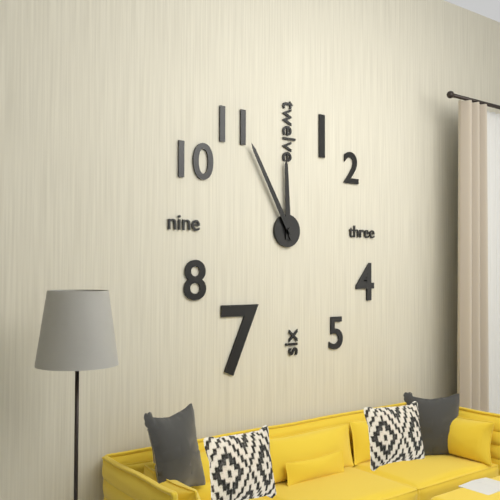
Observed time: 11:55
